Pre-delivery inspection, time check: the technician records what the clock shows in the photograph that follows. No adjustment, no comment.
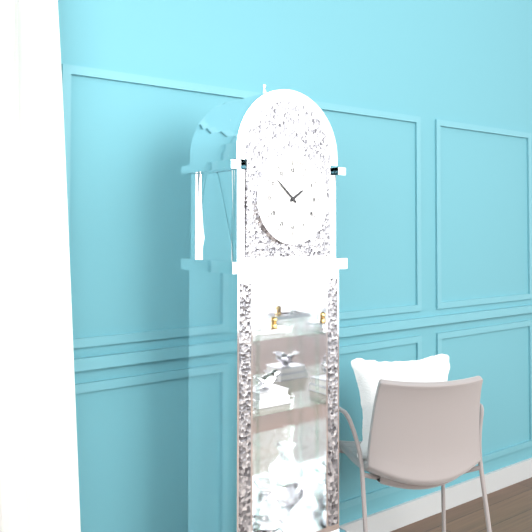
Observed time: 1:52
